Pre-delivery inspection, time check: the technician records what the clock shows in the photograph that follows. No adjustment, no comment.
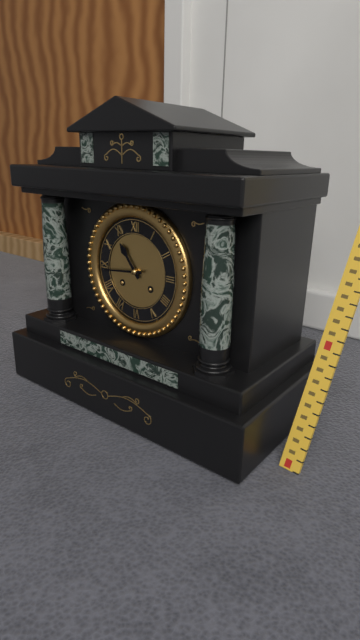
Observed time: 10:44
